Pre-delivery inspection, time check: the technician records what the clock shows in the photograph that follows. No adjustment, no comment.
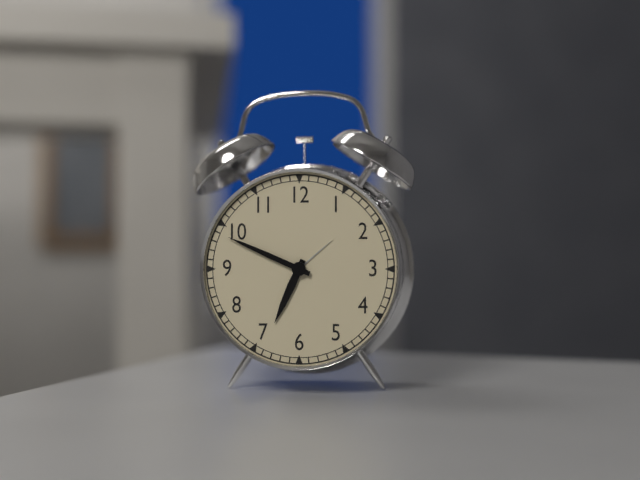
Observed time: 6:49
